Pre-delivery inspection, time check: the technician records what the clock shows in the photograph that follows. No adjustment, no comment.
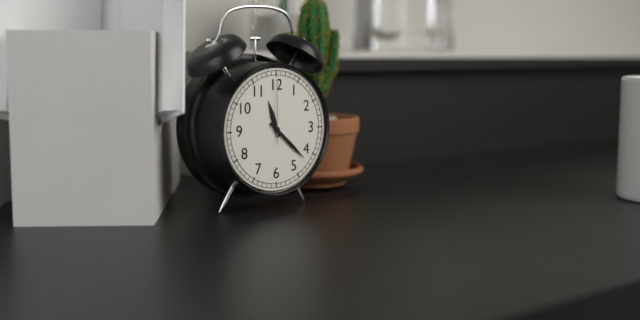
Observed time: 11:22:00
